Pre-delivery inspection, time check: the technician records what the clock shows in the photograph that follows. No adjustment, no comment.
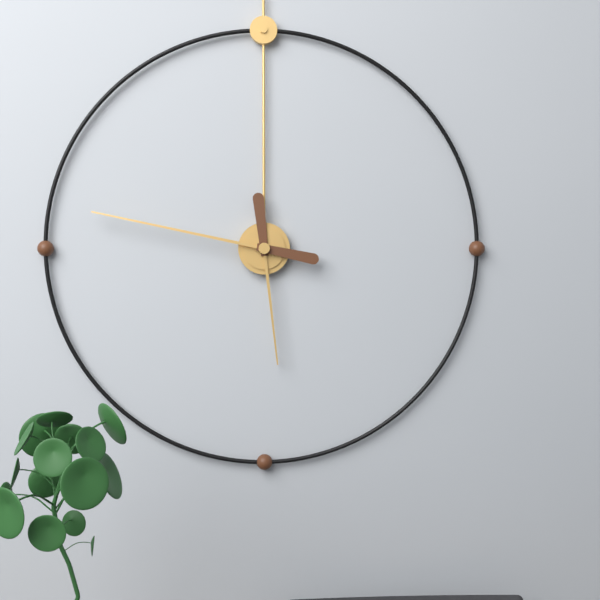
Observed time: 5:47
